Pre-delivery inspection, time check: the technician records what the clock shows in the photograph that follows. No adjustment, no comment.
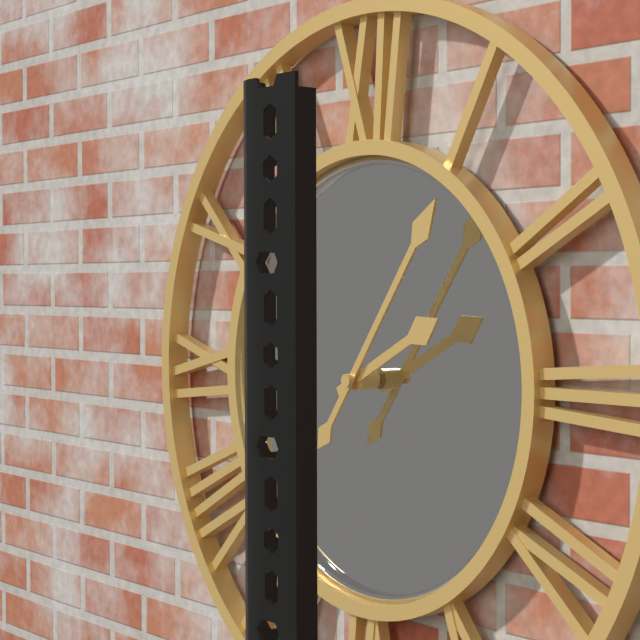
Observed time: 2:06
